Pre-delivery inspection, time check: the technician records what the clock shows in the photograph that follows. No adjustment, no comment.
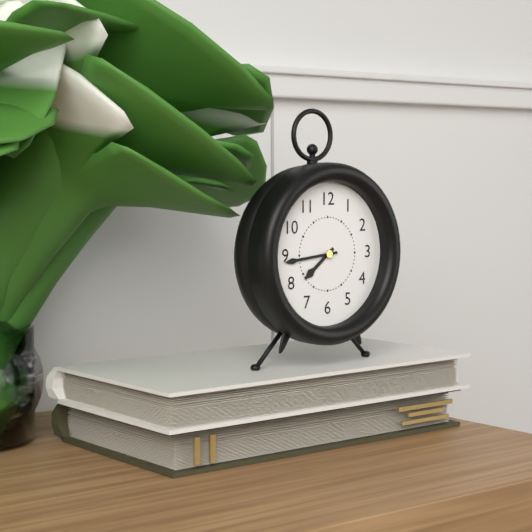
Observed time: 7:44
